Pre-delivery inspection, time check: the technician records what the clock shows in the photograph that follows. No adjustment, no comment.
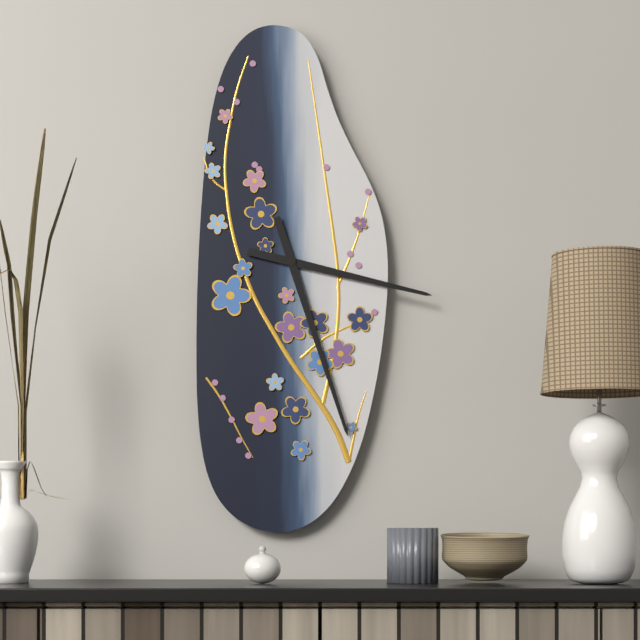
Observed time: 3:27
